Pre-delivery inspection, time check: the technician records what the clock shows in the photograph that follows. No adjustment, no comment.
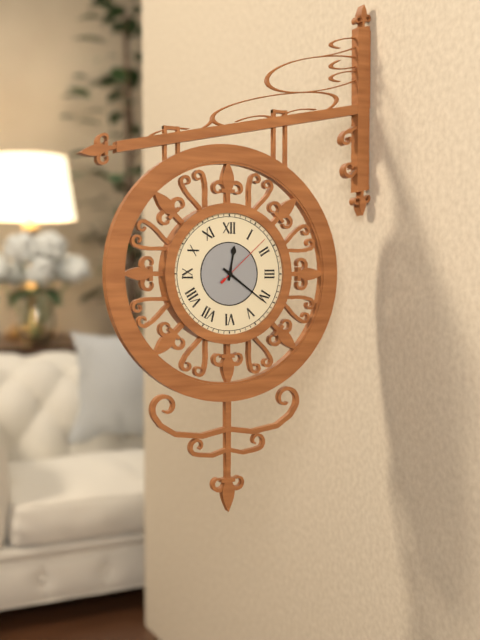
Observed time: 12:21:08
